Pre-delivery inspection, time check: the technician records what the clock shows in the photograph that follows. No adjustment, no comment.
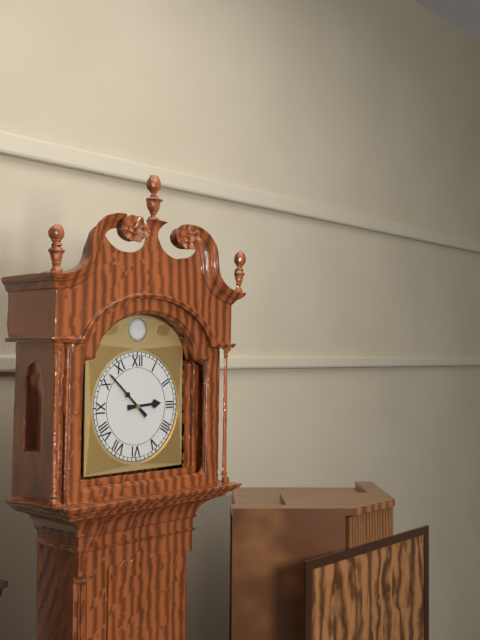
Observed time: 2:52
